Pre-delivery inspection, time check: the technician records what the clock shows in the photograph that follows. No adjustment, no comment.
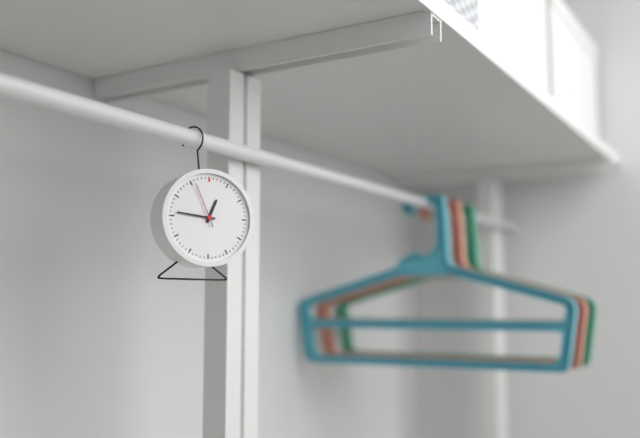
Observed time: 12:46
